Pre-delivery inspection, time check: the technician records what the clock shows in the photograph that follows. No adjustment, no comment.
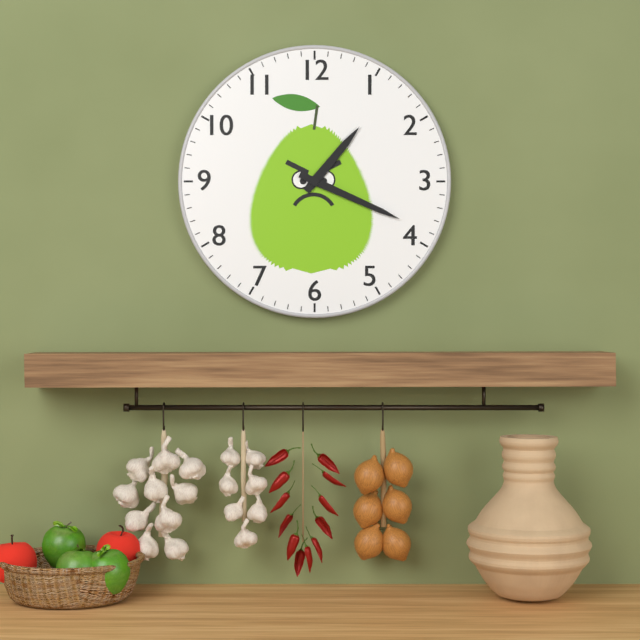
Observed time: 1:19
